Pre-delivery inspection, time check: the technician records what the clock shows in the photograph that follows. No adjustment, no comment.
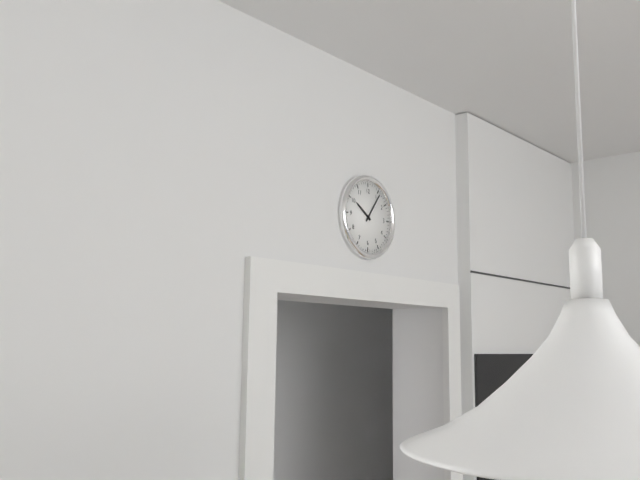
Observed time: 10:06
